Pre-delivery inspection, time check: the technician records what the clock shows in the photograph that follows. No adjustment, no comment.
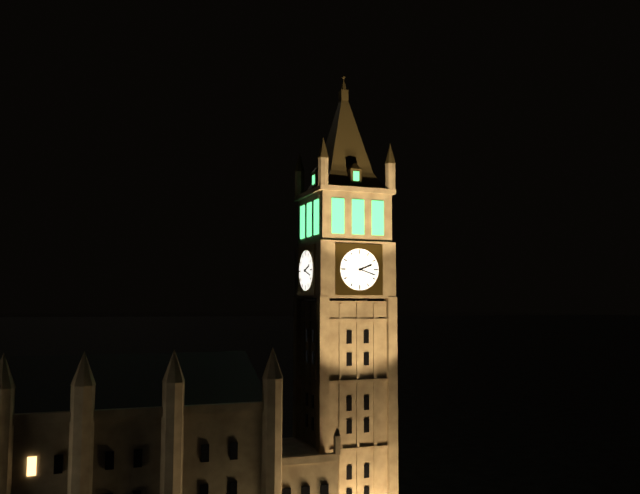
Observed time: 2:18
